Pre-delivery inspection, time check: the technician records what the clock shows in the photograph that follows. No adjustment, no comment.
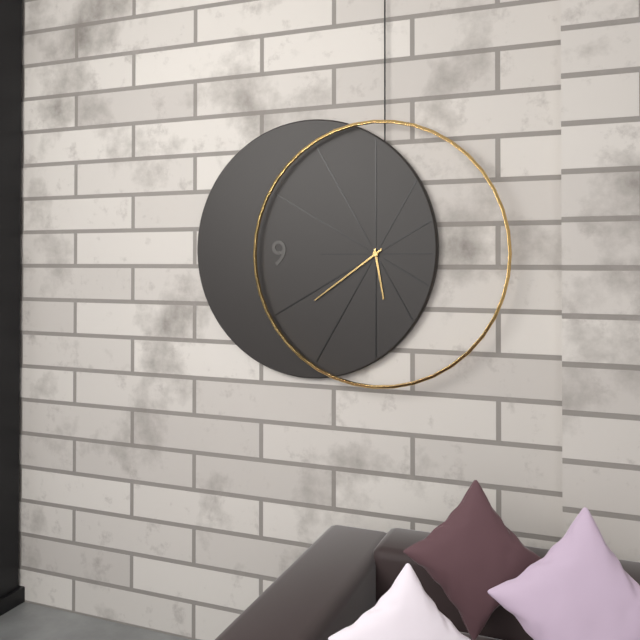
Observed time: 5:39
